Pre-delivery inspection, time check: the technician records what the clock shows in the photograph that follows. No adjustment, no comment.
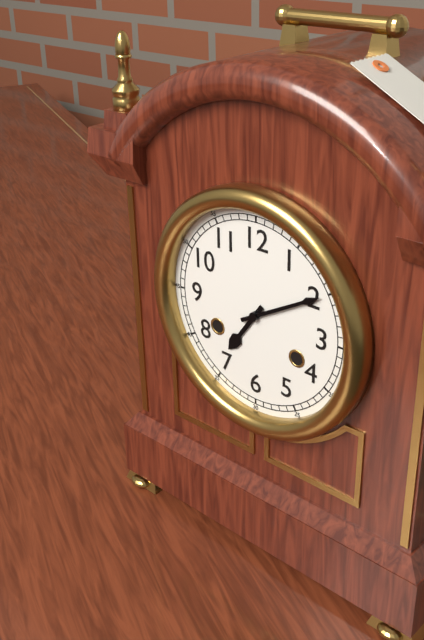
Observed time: 7:10
